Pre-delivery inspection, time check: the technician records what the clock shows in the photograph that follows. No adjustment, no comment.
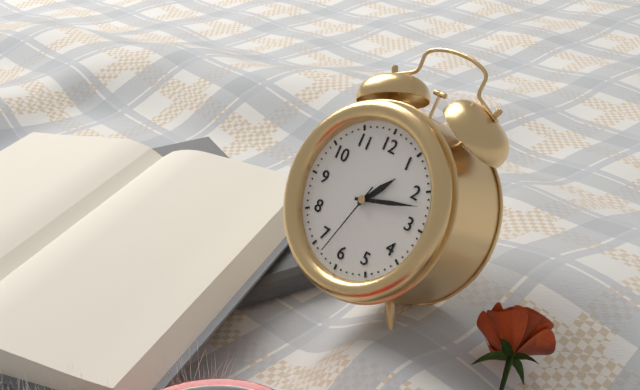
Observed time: 1:12:33
